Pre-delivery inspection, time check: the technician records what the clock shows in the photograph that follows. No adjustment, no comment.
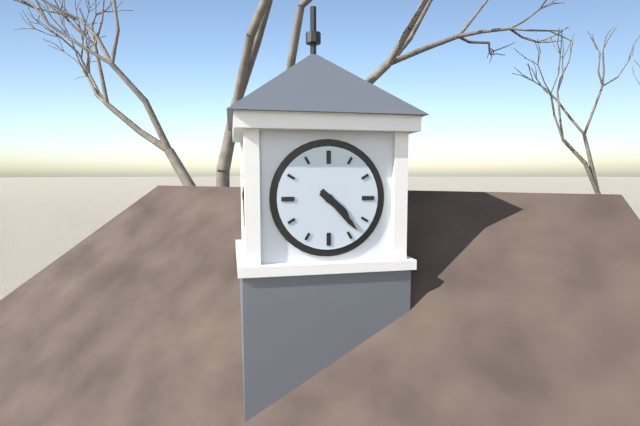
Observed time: 4:23
